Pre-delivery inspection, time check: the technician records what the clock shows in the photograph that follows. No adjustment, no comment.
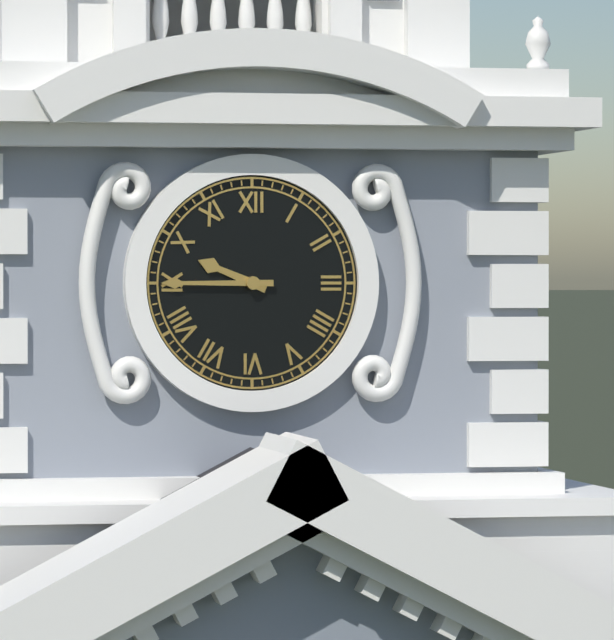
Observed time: 9:45
